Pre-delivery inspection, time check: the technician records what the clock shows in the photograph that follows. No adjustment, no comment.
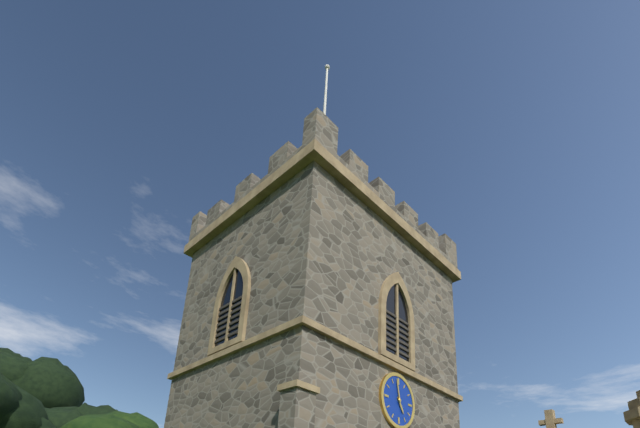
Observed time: 4:58
